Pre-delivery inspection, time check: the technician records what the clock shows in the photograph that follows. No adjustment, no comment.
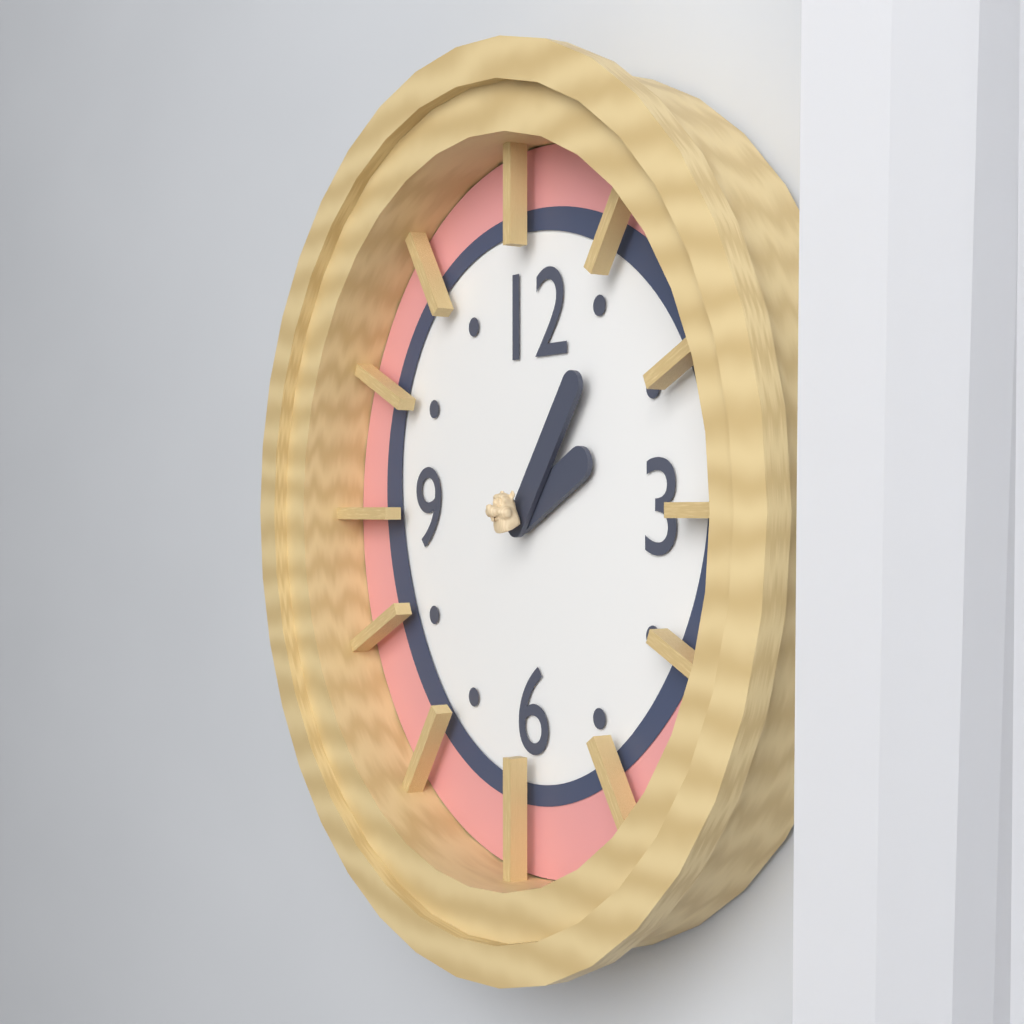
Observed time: 2:06
